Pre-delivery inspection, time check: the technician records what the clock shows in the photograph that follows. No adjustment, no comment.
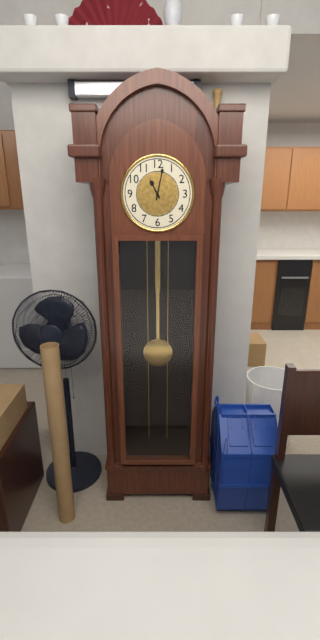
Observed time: 11:02
